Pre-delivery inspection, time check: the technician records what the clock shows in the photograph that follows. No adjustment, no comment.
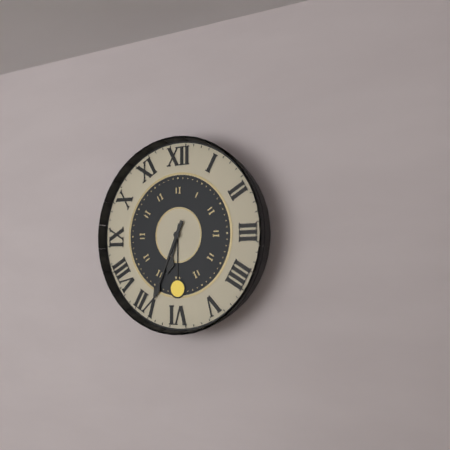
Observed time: 6:34
